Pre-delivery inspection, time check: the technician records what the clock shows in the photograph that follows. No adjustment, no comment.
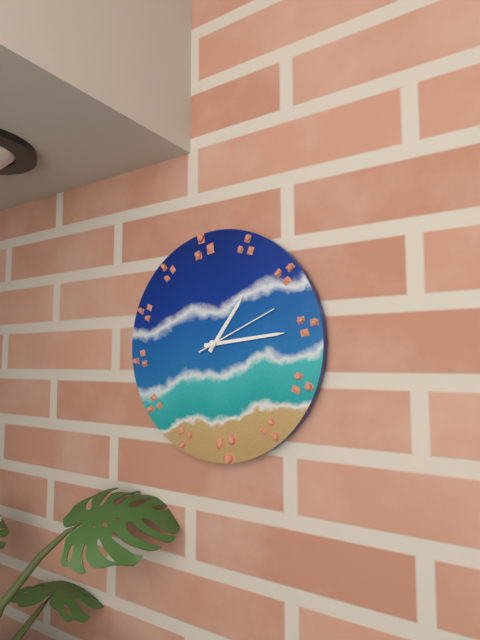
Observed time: 1:14:11
